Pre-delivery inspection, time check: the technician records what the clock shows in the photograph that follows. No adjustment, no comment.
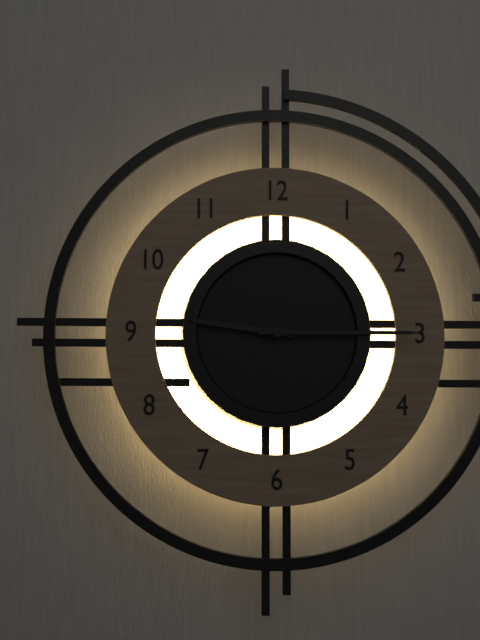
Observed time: 9:15
